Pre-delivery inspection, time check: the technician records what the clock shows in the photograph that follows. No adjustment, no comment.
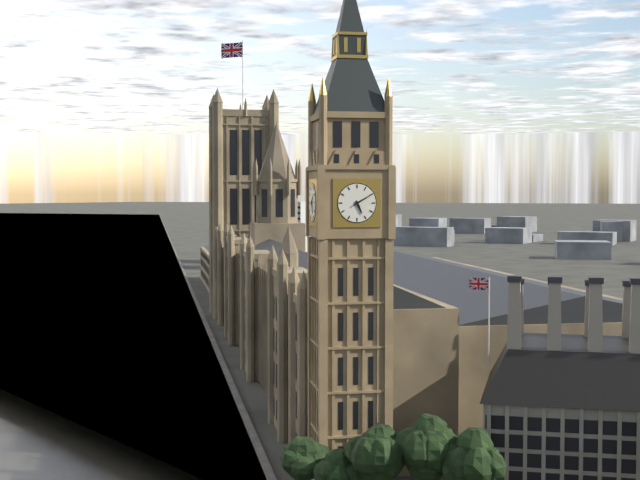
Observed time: 5:10
